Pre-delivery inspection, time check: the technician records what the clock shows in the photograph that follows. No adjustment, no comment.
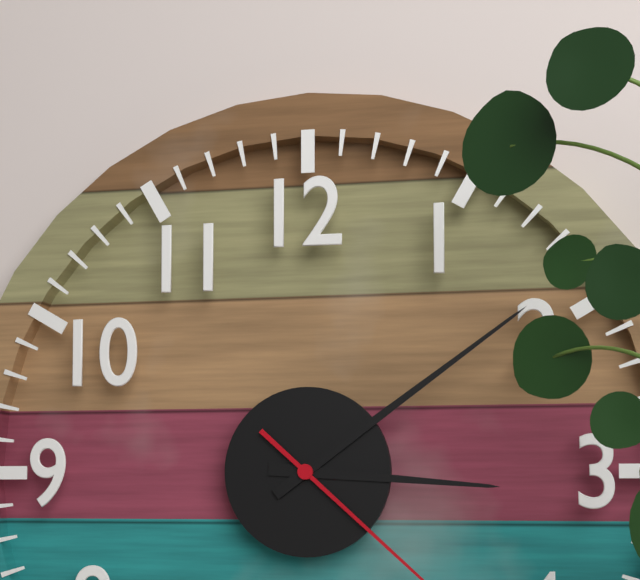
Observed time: 3:09
